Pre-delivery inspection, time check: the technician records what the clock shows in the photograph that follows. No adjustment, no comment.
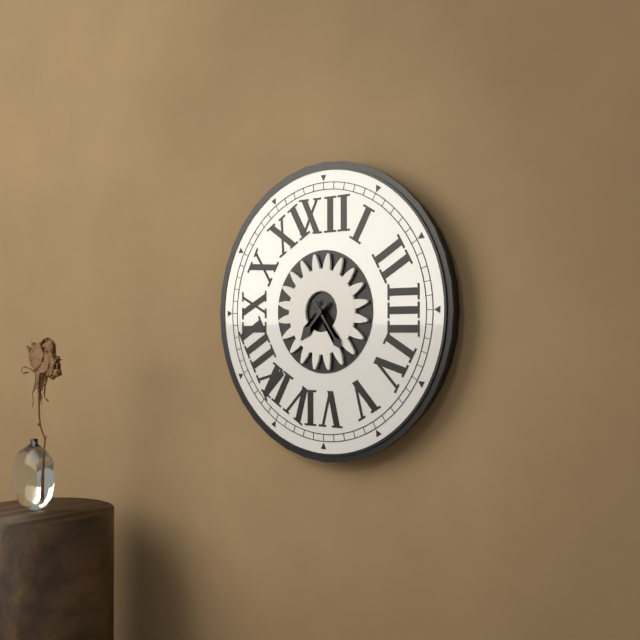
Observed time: 7:24
